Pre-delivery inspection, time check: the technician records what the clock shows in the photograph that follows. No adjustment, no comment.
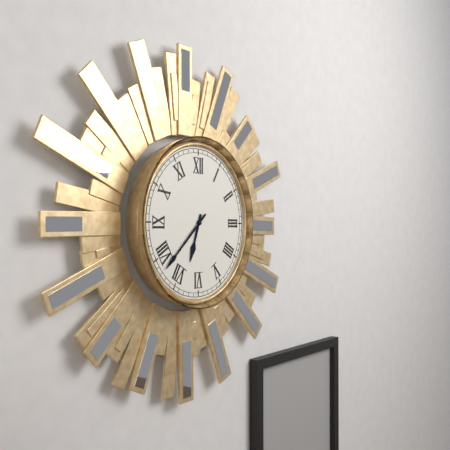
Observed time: 6:38
